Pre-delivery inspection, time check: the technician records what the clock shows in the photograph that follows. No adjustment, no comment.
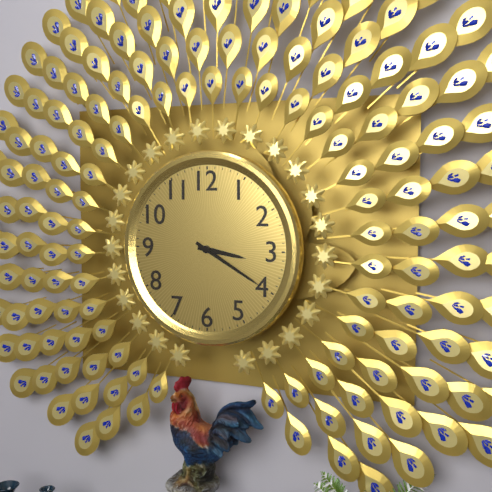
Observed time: 3:20
